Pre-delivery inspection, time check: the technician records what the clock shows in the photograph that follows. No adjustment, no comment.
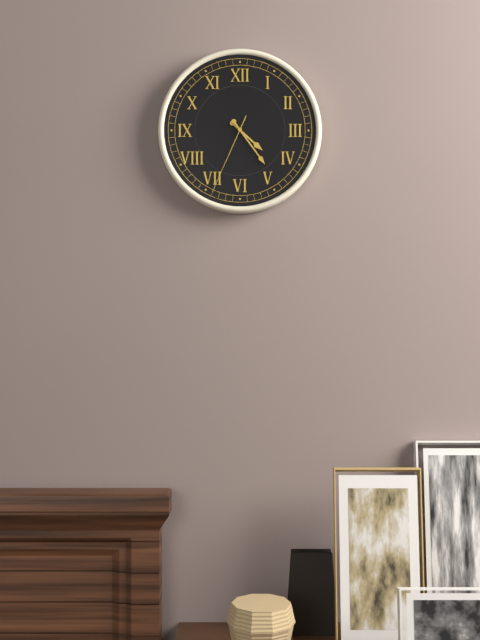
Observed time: 4:24:34
